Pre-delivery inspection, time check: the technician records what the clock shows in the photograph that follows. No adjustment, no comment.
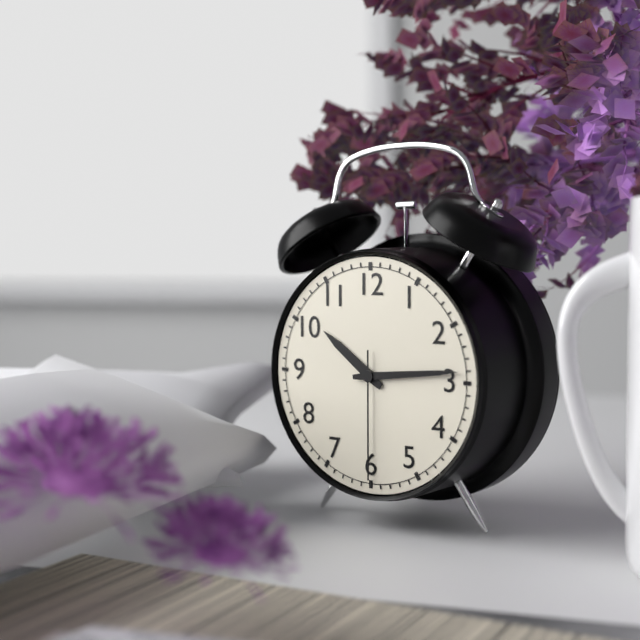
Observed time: 10:14:30
